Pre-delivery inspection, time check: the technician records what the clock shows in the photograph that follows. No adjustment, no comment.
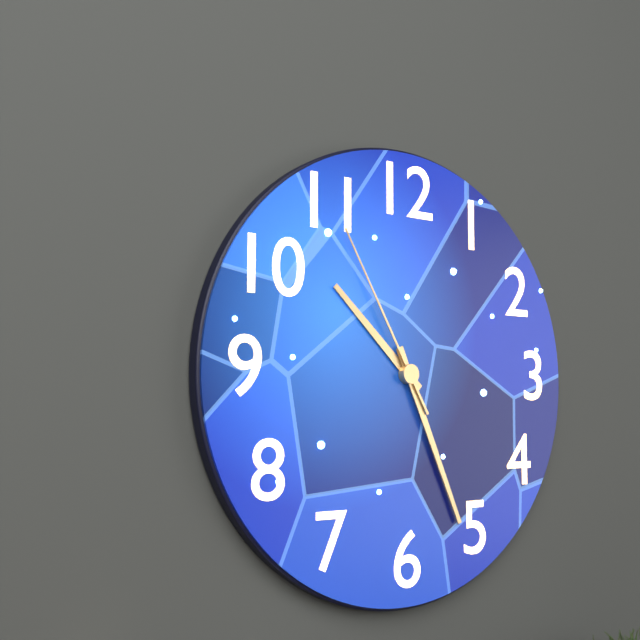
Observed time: 10:26:55
